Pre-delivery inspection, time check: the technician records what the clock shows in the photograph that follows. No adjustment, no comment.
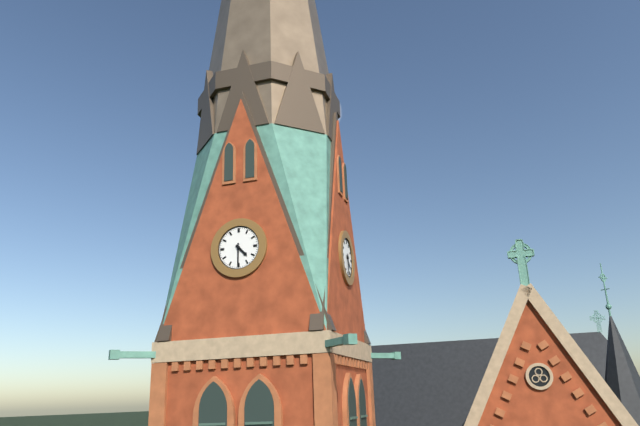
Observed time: 4:30
